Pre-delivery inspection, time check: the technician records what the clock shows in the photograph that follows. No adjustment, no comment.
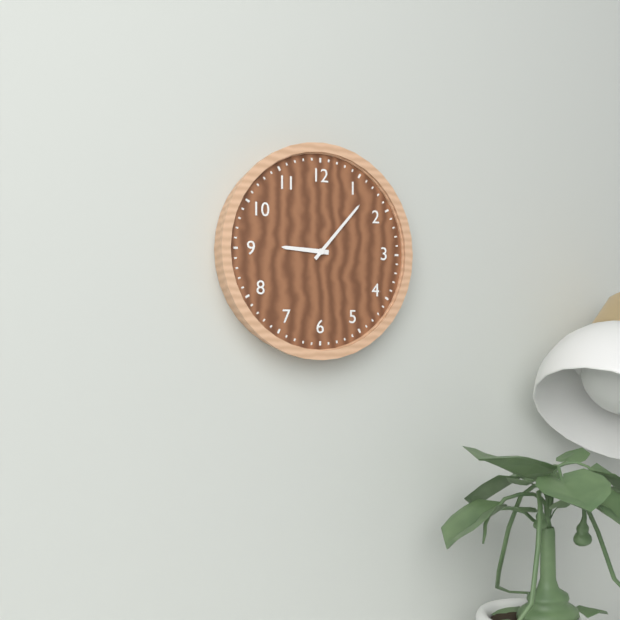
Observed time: 9:07
